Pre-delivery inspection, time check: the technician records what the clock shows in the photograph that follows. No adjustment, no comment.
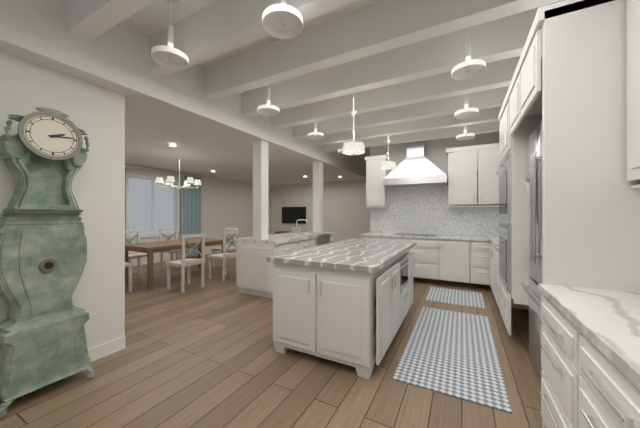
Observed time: 2:14
